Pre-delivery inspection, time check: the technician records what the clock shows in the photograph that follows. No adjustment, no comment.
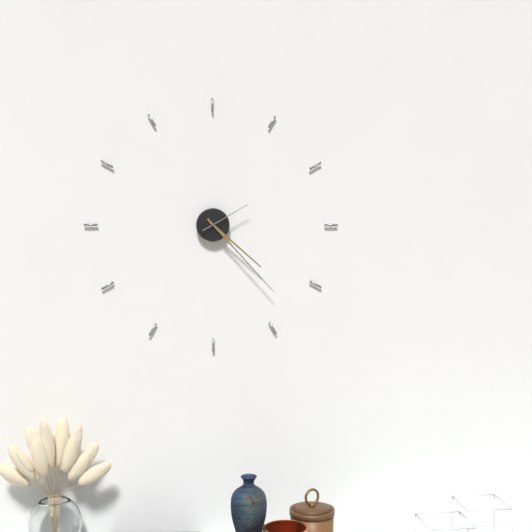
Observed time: 4:23:10
